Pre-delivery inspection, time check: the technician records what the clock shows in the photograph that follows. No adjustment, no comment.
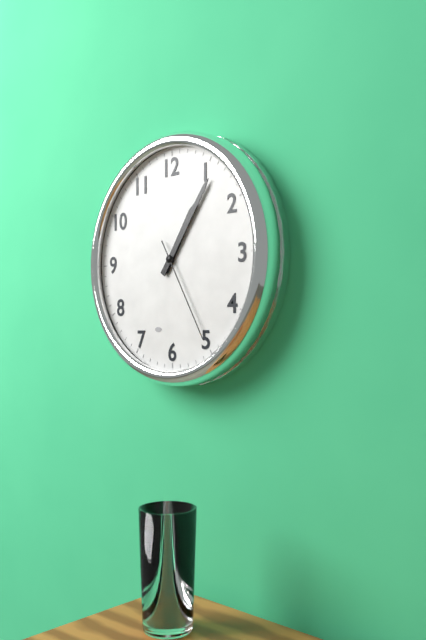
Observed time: 1:06:25
